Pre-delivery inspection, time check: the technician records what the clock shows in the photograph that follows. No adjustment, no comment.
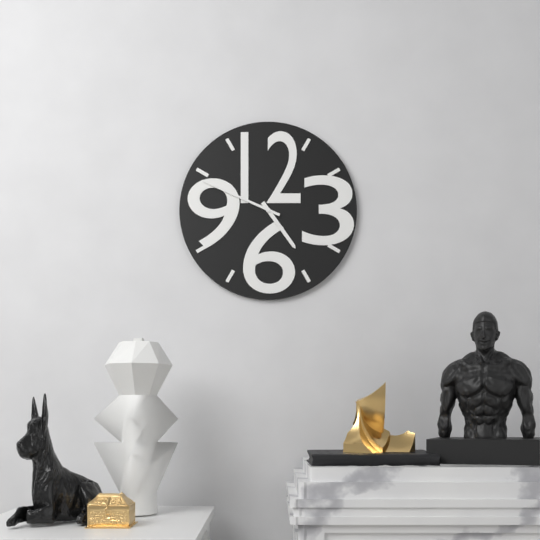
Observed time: 4:49
